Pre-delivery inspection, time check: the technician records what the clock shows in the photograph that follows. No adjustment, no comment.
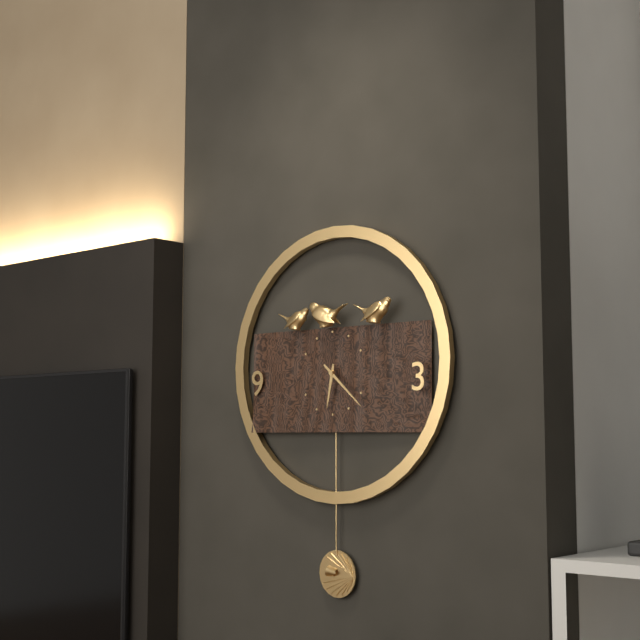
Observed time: 6:22
